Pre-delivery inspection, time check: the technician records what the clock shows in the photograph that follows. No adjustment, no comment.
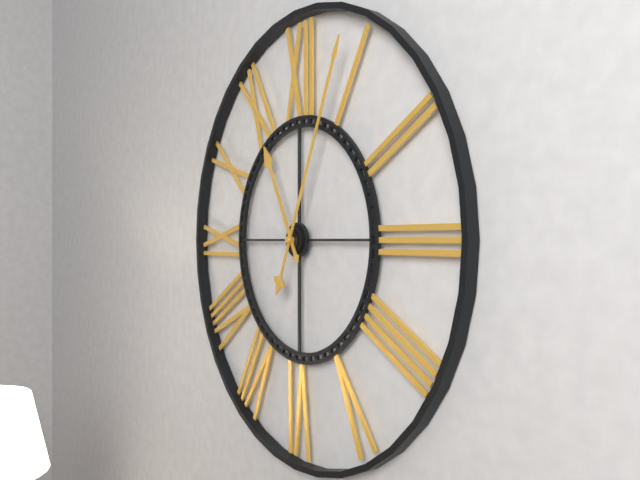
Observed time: 11:04
